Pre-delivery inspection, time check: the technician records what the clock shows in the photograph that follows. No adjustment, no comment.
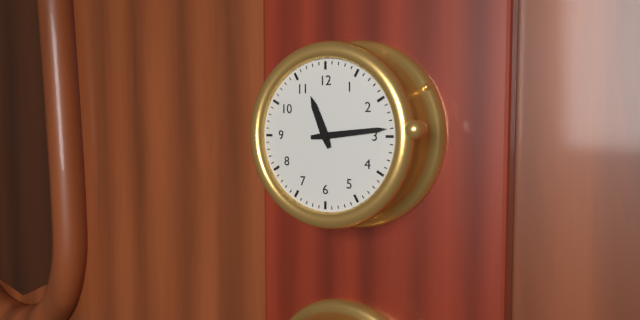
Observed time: 11:14
